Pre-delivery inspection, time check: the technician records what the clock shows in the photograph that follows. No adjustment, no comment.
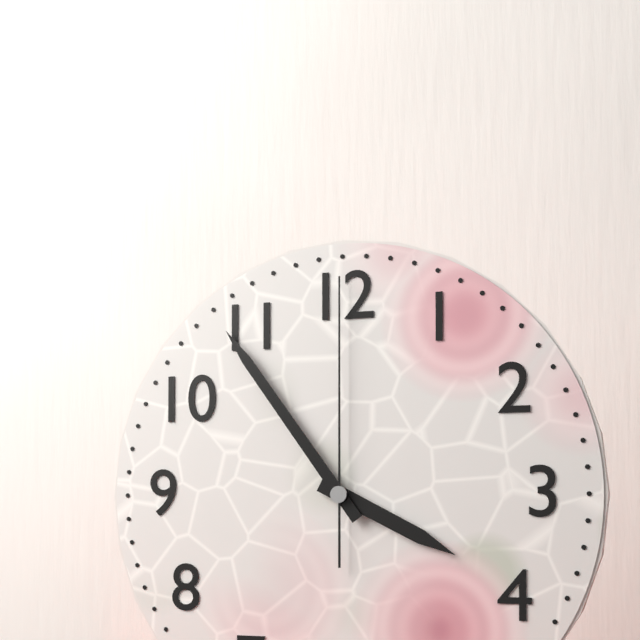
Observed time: 3:54:00
